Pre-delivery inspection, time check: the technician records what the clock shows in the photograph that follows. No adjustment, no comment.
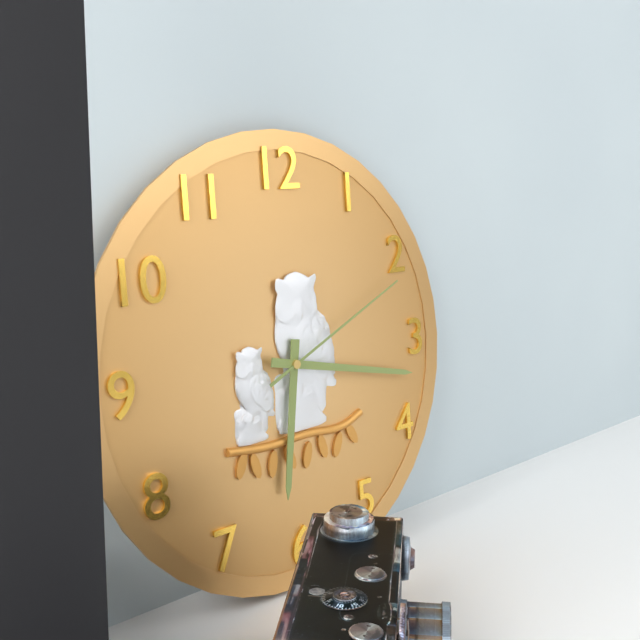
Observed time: 6:17:11
